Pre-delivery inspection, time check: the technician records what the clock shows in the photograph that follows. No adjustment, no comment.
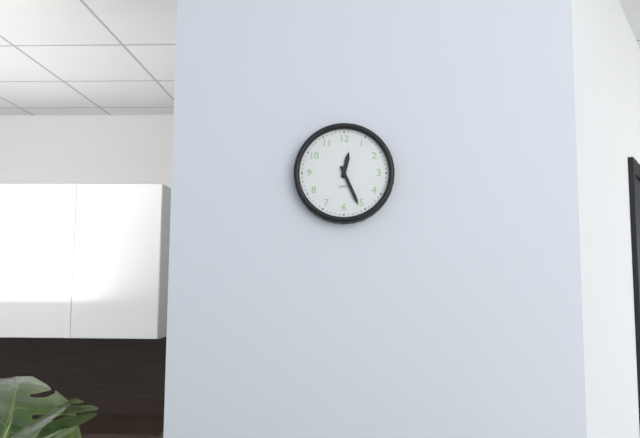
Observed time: 12:26
